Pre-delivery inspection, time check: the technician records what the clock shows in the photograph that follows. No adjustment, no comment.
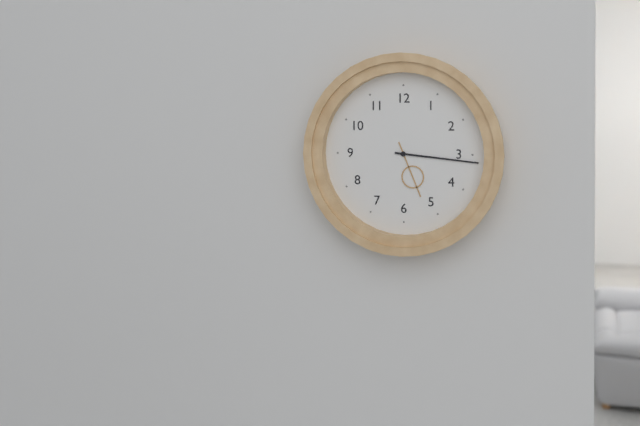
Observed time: 5:16
